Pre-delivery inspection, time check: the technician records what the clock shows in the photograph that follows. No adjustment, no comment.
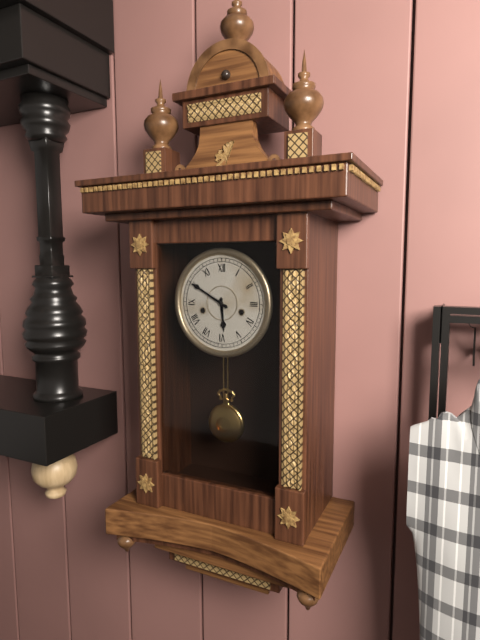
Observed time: 5:50
